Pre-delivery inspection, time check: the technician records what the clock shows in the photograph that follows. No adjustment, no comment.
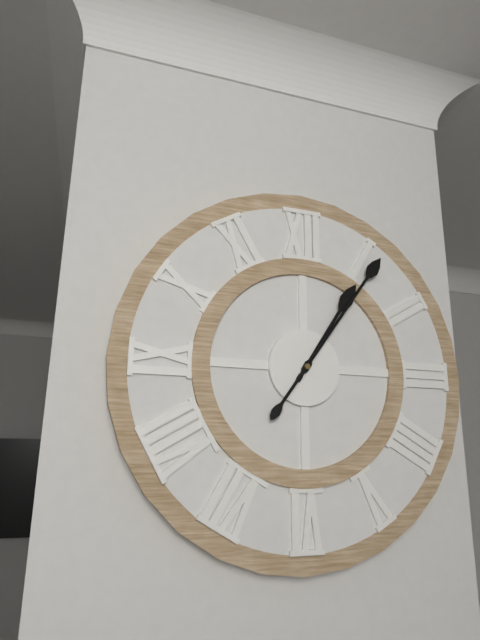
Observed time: 1:06
